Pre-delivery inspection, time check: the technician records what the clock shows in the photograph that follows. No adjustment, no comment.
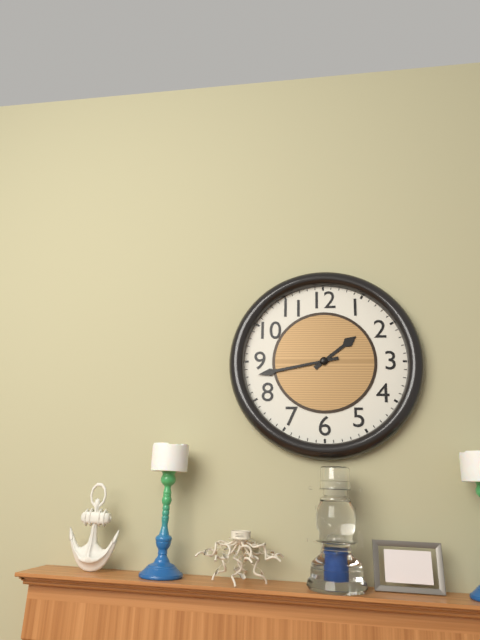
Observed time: 1:43
